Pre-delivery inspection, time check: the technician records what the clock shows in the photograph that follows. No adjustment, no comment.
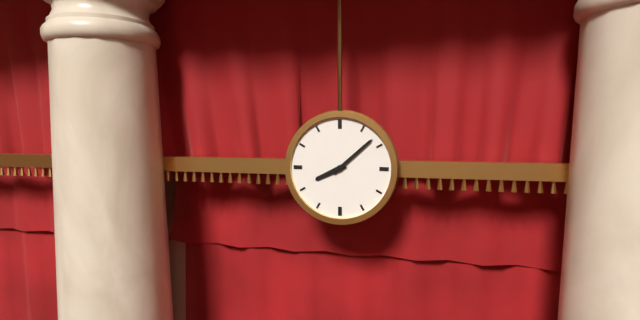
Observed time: 8:08
